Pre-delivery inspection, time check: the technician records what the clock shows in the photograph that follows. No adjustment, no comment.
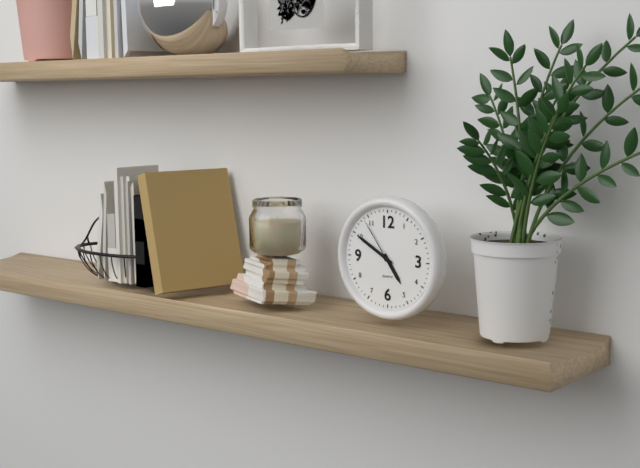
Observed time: 4:50:54
